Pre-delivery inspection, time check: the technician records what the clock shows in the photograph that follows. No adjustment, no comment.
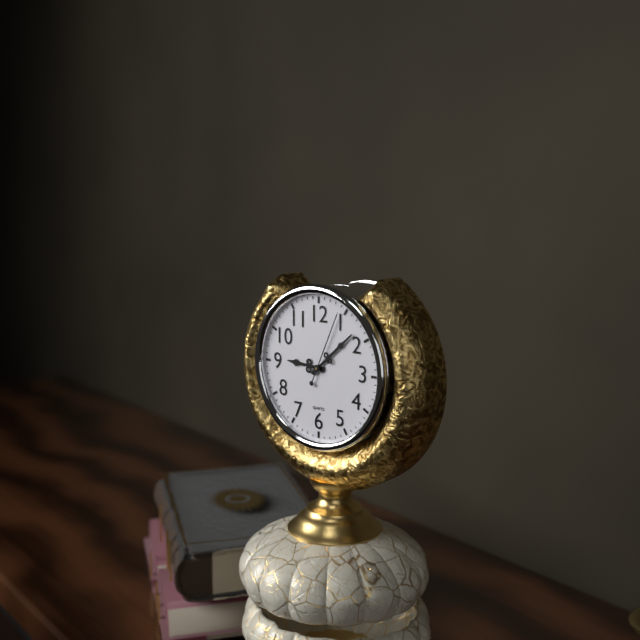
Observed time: 9:08:04
